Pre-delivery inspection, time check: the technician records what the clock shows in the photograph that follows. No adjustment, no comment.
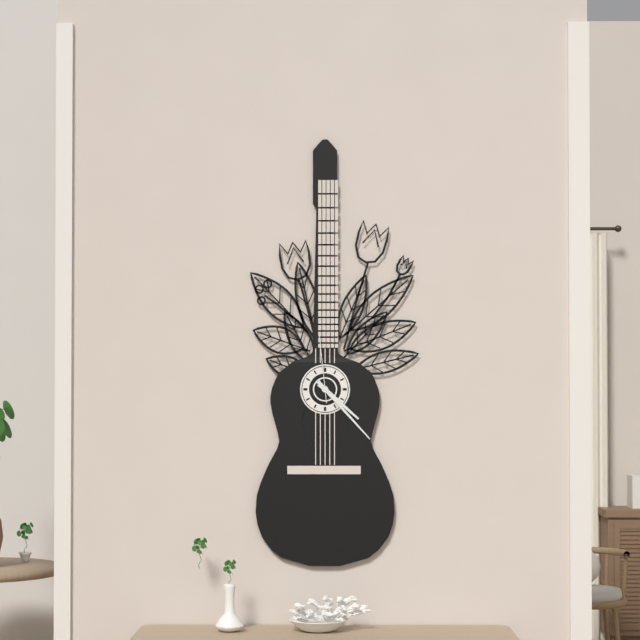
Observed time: 4:23:59
